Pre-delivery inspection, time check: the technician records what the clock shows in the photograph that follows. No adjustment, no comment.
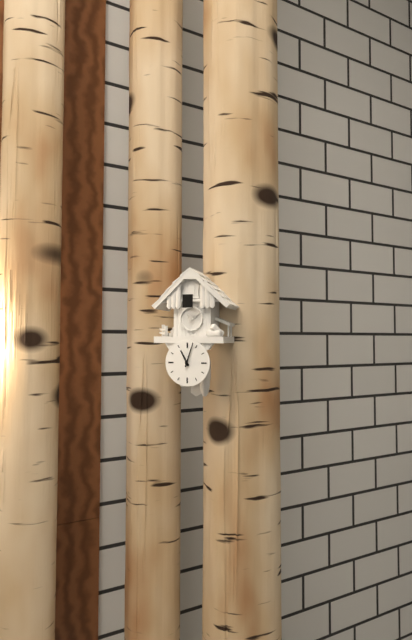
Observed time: 11:03
